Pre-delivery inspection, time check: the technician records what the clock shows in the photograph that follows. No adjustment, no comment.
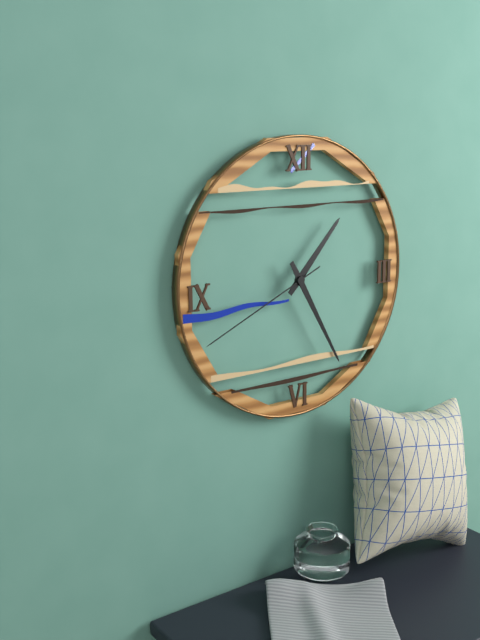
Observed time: 1:25:41
